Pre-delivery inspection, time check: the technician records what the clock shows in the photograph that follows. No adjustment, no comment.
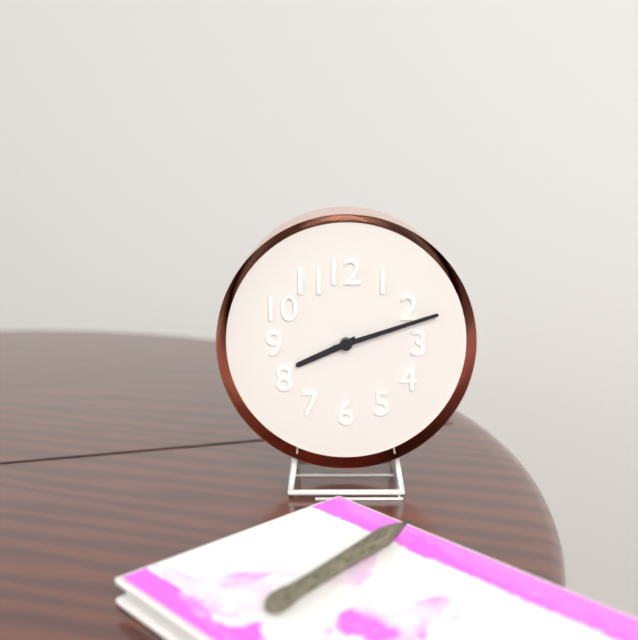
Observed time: 8:12
